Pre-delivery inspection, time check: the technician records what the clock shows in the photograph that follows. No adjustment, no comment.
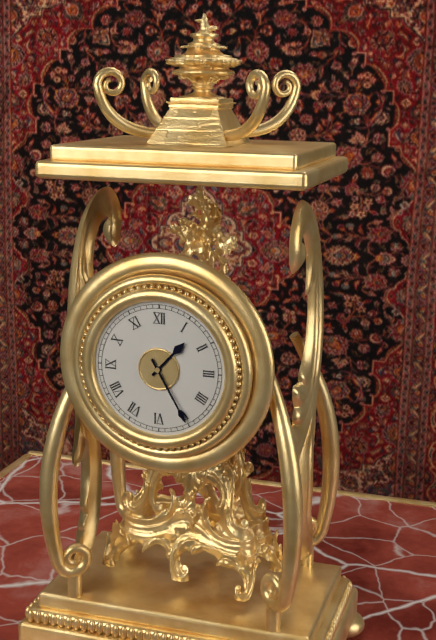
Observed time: 1:25
